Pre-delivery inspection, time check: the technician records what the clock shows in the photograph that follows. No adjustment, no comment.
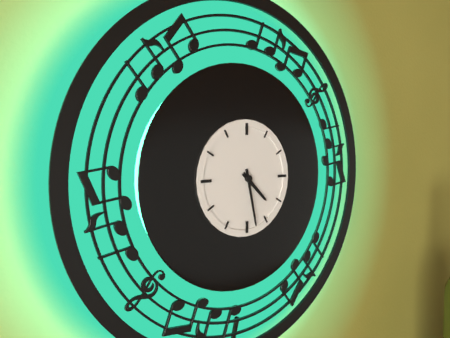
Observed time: 4:28
